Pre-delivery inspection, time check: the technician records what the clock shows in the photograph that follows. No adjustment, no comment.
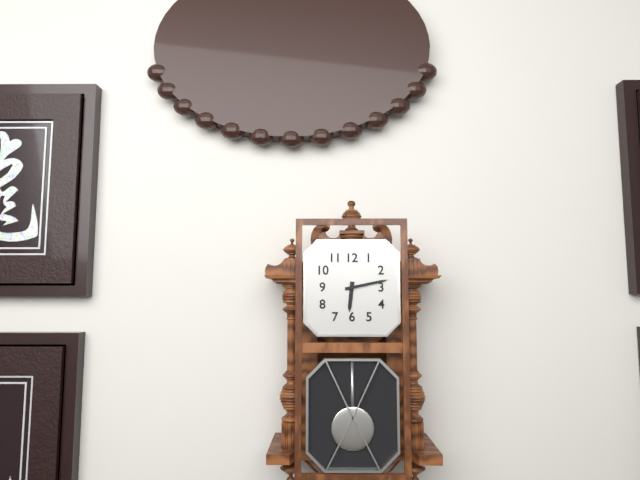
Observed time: 6:13
